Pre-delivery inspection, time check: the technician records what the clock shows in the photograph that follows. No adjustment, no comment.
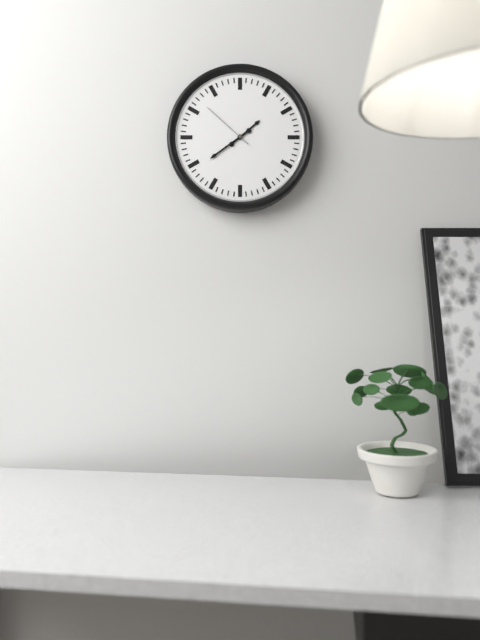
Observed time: 1:39:52
